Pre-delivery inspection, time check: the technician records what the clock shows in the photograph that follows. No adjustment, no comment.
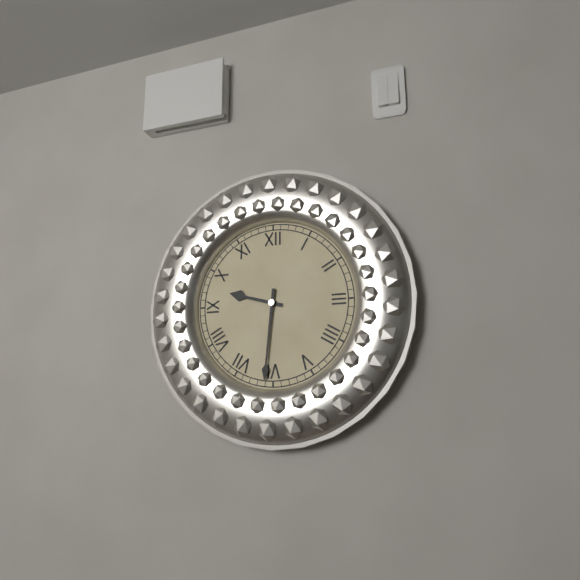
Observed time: 9:31
